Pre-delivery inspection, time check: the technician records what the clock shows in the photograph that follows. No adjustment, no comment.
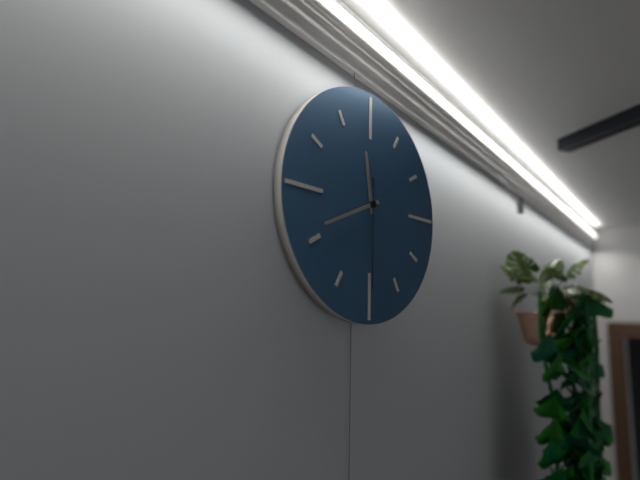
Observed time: 11:41:30
